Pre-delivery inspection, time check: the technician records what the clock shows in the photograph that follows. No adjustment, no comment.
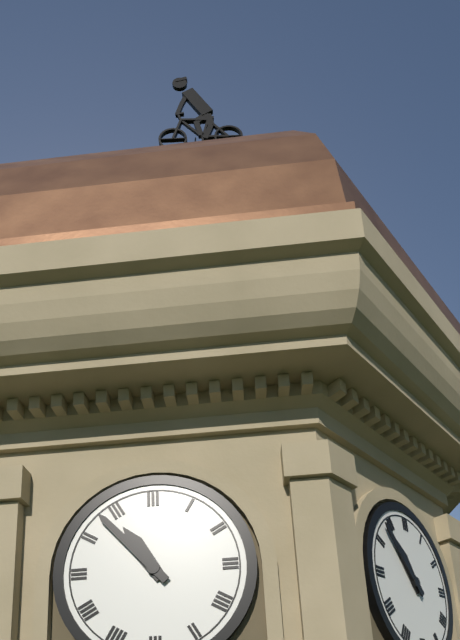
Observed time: 10:53
